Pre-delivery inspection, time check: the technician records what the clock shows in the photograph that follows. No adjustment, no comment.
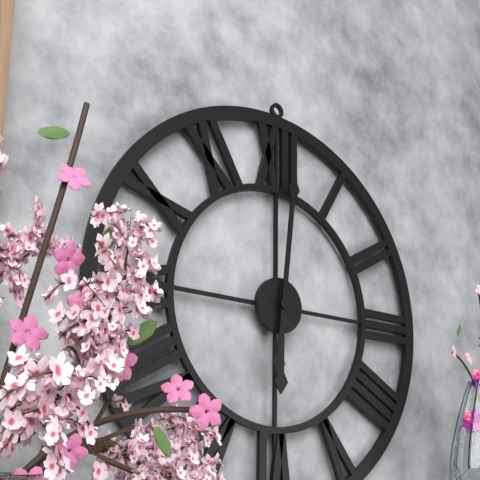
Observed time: 6:01
